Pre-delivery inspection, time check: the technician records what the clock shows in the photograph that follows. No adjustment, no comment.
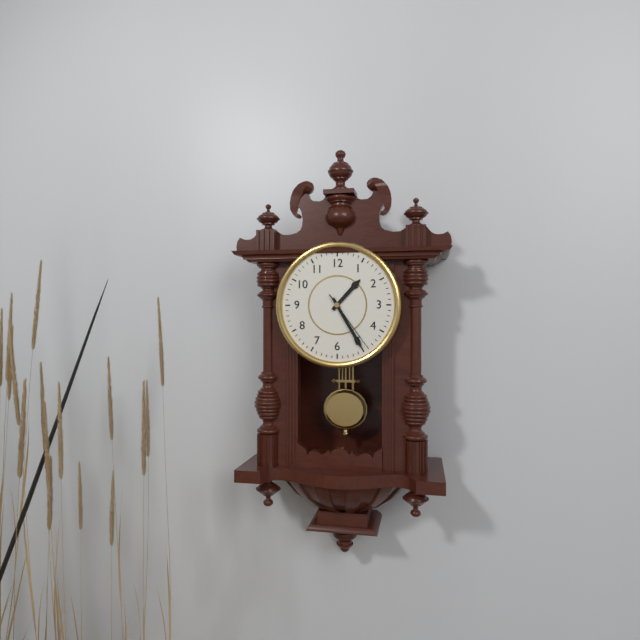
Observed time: 1:25:24
